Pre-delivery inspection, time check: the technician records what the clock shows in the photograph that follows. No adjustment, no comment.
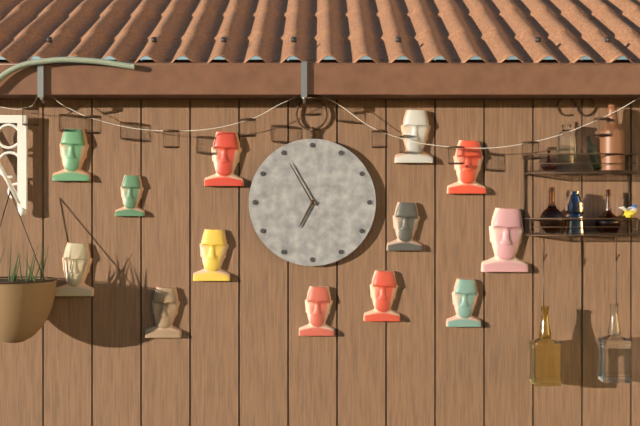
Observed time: 6:55
